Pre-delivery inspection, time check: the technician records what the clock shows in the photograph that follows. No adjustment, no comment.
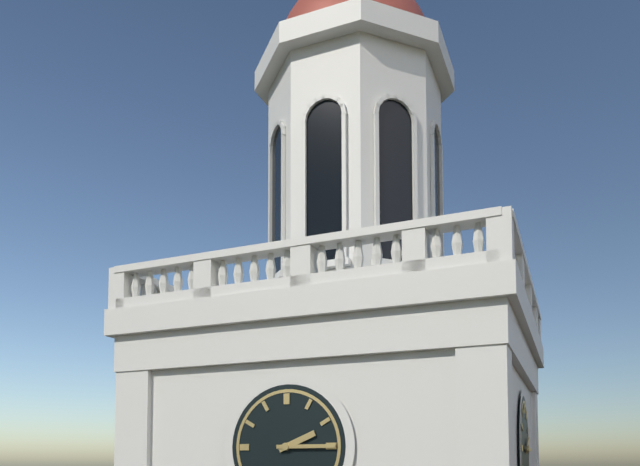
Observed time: 2:15
